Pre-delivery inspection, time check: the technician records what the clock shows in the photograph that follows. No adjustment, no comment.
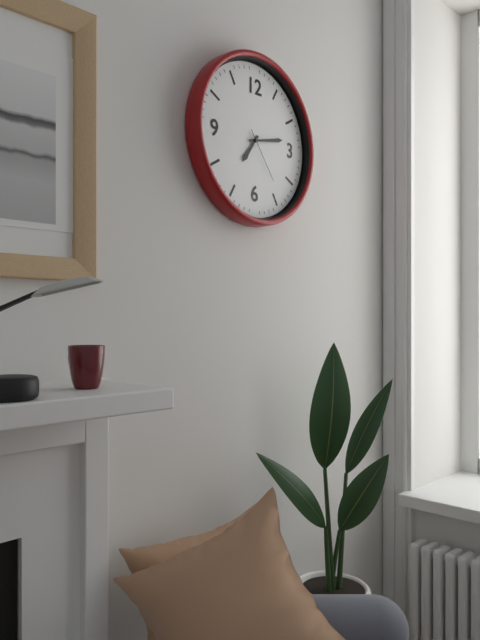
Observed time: 7:13:24
